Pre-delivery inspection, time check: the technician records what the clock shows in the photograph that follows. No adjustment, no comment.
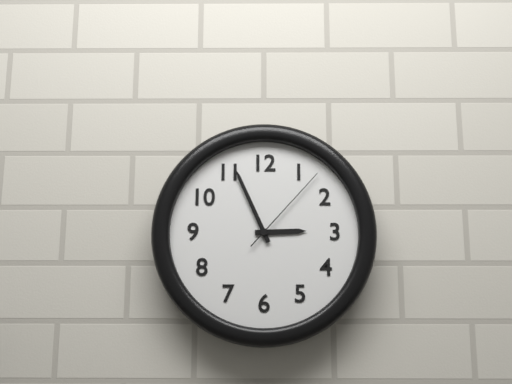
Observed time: 2:56:07
